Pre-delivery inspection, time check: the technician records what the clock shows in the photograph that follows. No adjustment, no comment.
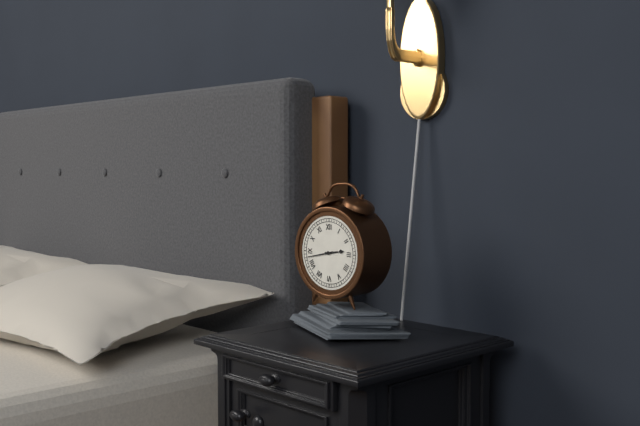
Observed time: 2:43
